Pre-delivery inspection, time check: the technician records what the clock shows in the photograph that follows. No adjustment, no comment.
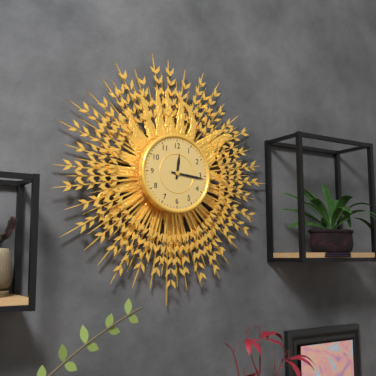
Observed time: 12:16
